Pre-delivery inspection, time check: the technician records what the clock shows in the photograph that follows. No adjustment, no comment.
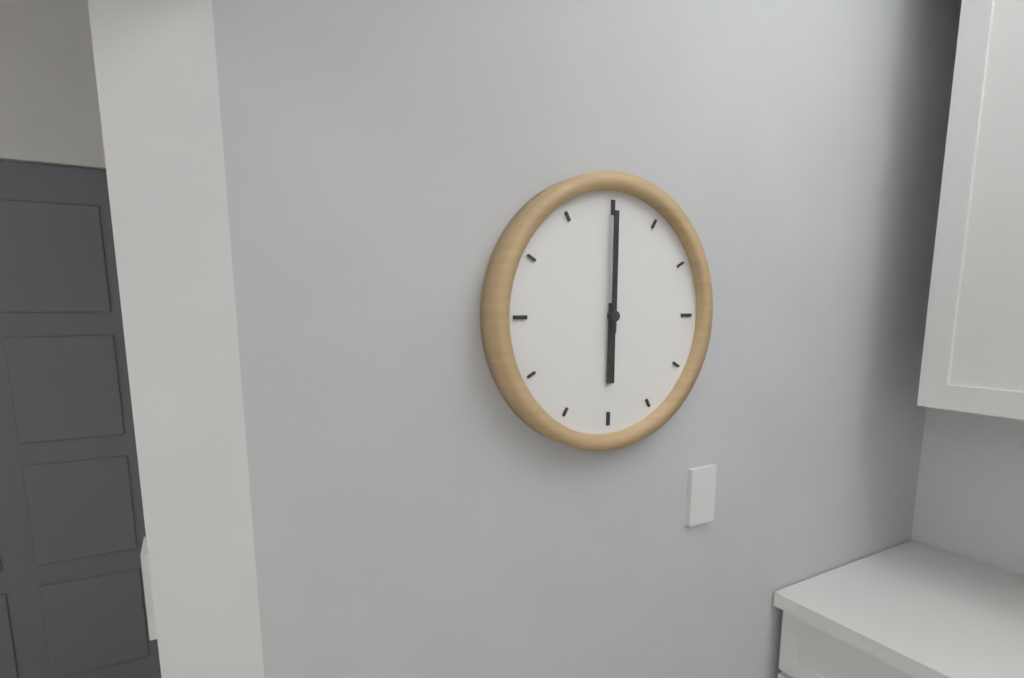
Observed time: 6:00
